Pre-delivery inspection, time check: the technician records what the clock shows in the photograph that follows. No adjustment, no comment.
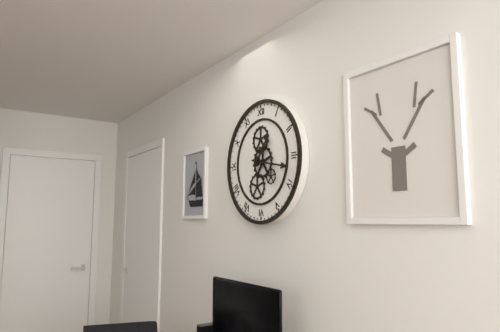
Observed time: 1:17
